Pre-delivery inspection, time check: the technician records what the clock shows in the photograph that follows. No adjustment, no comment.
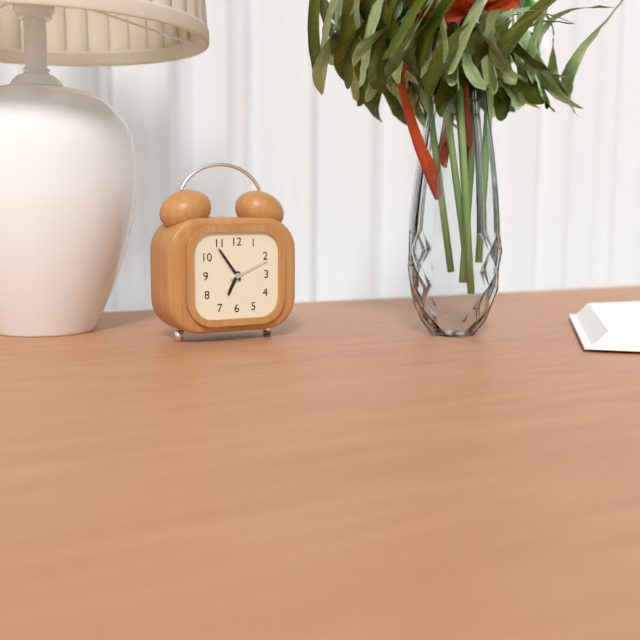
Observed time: 6:54
